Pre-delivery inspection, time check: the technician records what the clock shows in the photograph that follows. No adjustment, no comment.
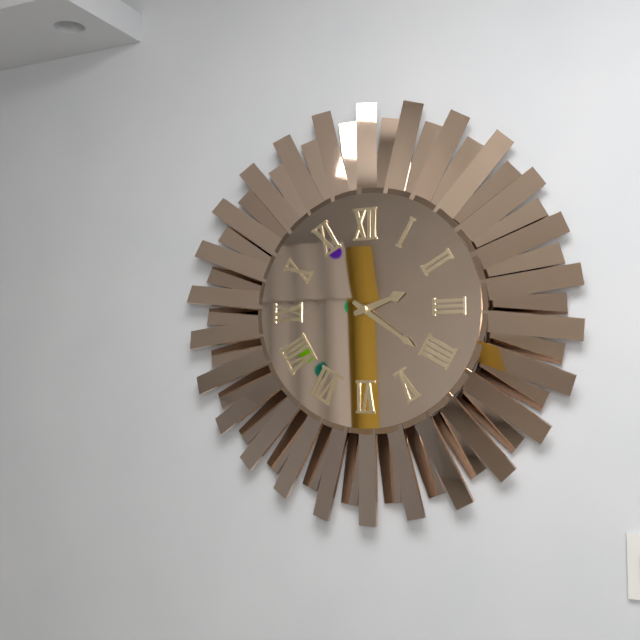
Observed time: 2:21
